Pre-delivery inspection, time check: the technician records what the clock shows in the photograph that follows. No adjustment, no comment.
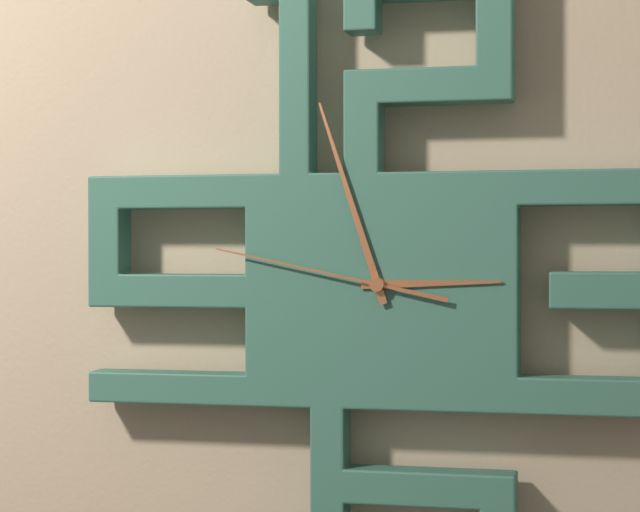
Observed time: 2:57:47
